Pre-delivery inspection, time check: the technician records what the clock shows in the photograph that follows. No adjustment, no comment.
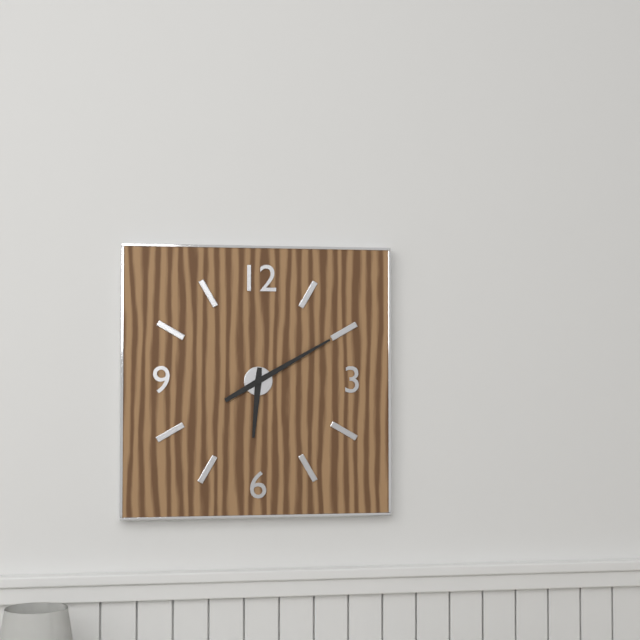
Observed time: 6:10
